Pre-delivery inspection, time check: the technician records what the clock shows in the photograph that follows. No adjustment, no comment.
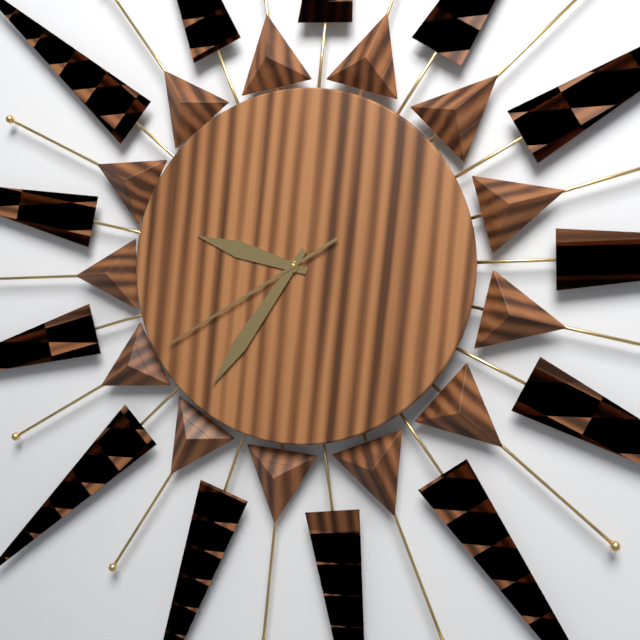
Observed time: 9:36:40
